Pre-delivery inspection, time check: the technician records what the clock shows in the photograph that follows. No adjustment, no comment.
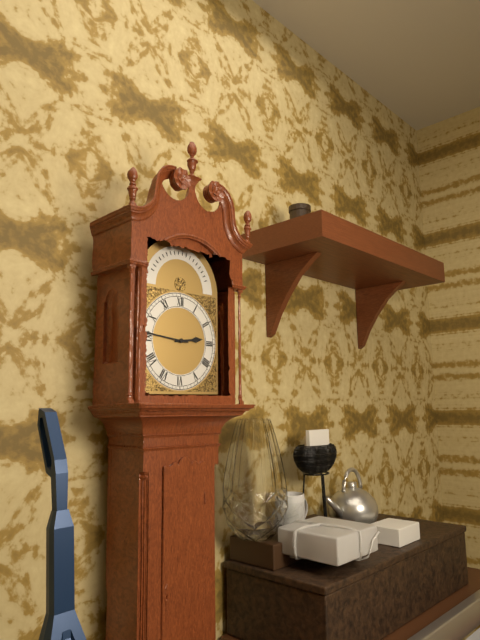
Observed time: 2:46
